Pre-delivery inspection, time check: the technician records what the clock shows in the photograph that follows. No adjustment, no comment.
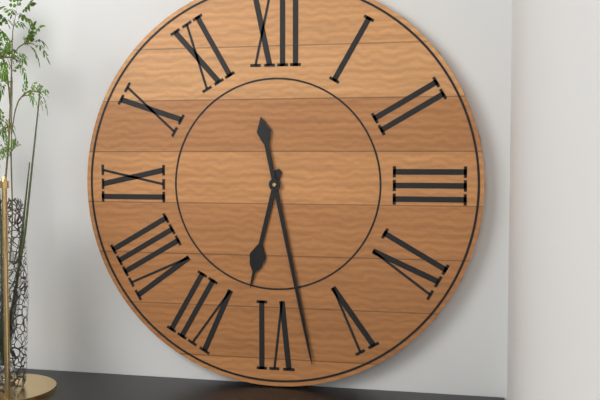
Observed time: 6:28
